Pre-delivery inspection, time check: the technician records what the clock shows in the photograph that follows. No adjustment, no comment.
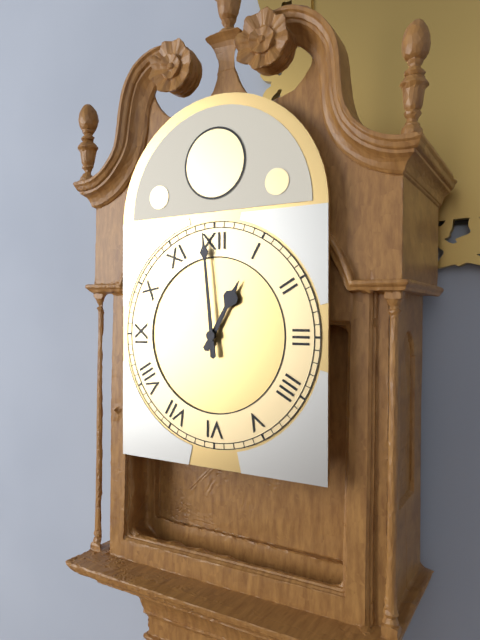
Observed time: 12:59
